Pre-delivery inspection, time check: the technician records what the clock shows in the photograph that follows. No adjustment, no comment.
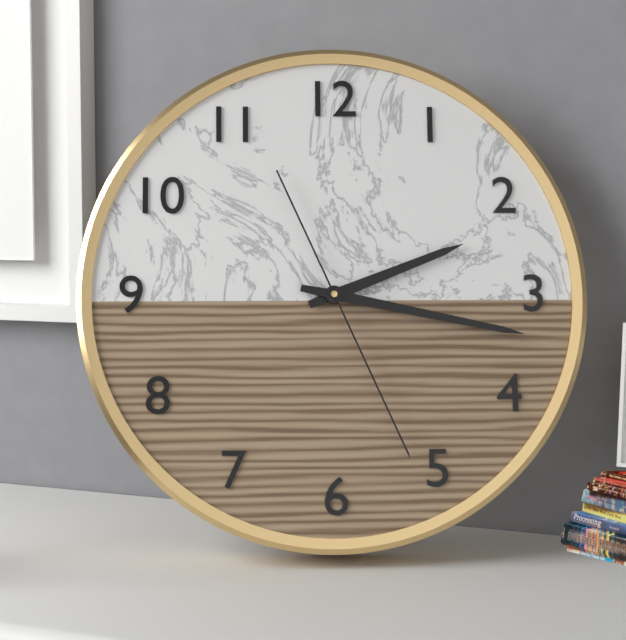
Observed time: 2:17:26
